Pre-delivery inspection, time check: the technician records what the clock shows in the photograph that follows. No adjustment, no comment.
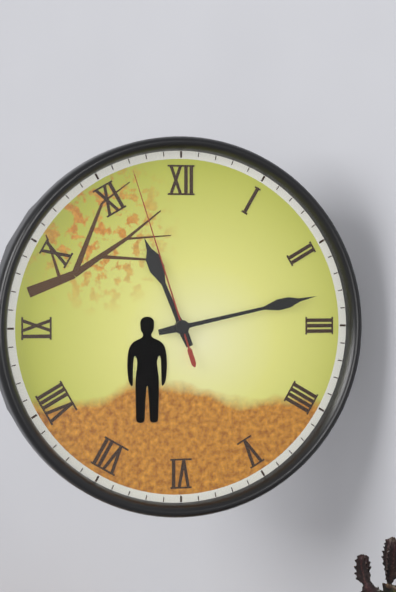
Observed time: 11:13:57
